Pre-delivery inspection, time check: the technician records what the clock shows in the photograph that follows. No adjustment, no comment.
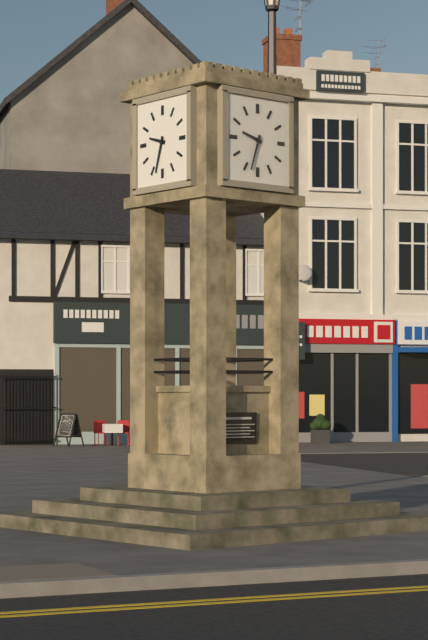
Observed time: 9:33
